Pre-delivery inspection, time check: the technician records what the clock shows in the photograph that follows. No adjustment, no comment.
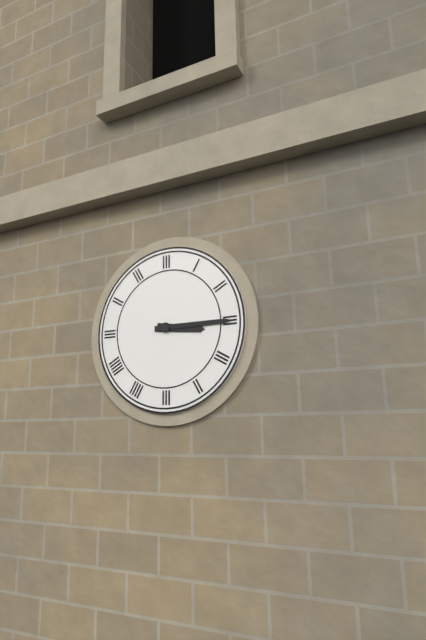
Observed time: 3:15
